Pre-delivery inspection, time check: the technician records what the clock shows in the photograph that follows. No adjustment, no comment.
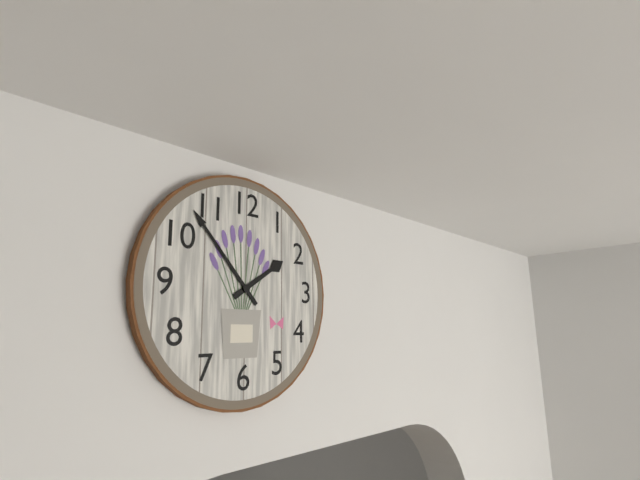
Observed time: 1:53
